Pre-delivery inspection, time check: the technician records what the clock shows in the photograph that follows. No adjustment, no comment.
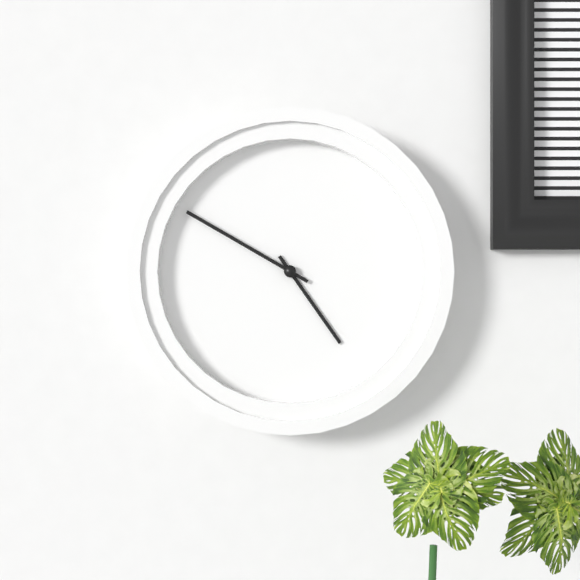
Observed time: 4:50
